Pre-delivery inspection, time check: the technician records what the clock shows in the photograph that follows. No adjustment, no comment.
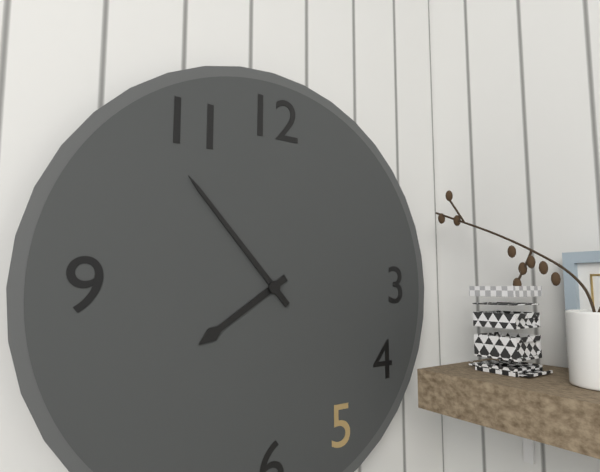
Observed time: 7:53
